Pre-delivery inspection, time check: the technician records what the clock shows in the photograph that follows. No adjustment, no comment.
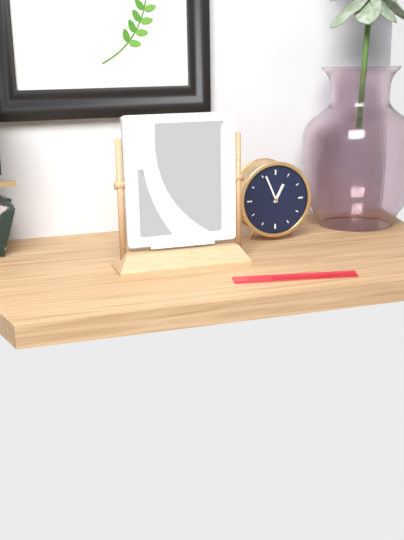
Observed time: 12:56
